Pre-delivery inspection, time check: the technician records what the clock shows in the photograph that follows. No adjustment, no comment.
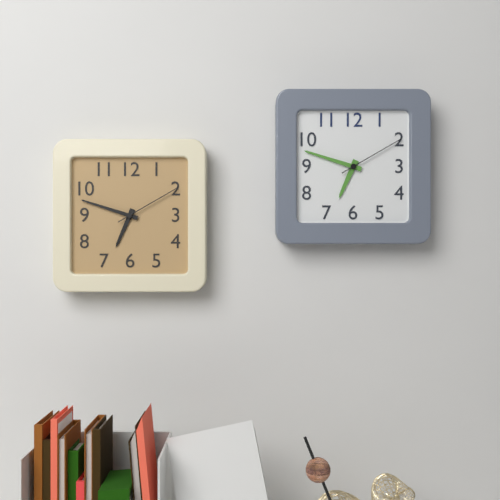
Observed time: 6:48:10
